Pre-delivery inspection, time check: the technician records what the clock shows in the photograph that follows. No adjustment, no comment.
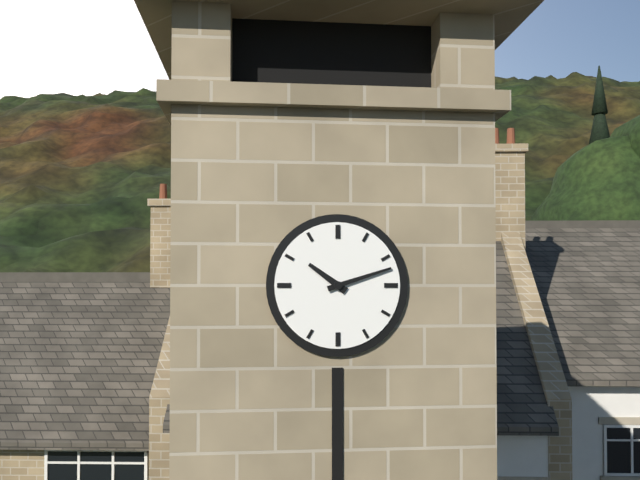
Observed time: 10:12
